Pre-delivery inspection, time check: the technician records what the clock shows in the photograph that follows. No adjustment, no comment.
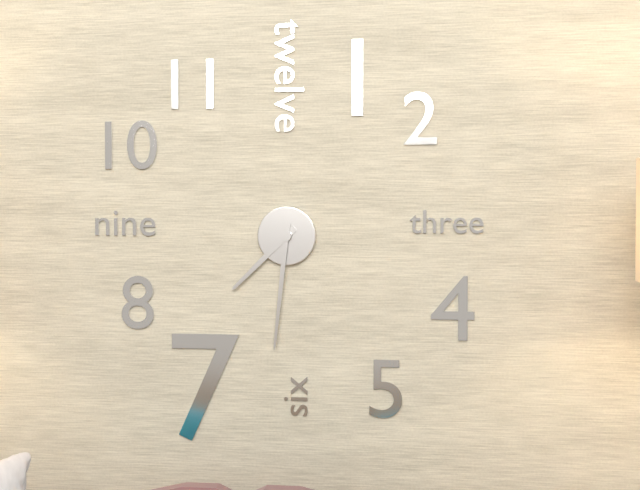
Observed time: 7:31
